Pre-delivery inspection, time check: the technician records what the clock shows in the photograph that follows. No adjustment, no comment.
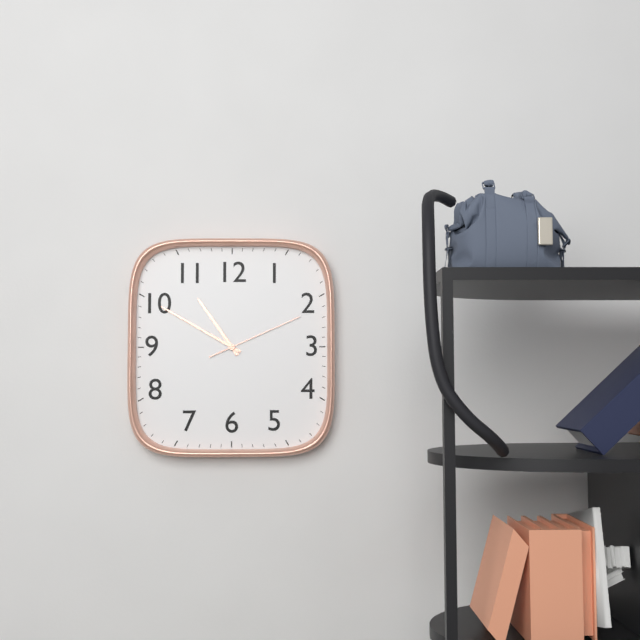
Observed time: 10:50:11
